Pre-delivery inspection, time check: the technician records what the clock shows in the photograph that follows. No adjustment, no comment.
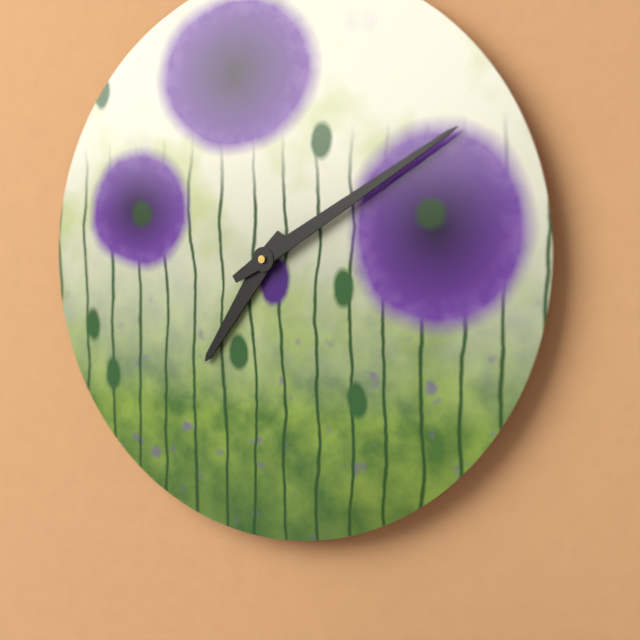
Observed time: 7:10
